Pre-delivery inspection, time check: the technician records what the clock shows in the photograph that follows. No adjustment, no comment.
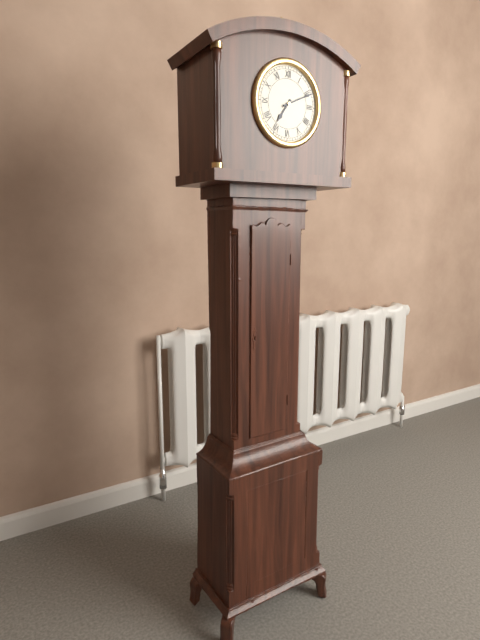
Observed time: 7:11
